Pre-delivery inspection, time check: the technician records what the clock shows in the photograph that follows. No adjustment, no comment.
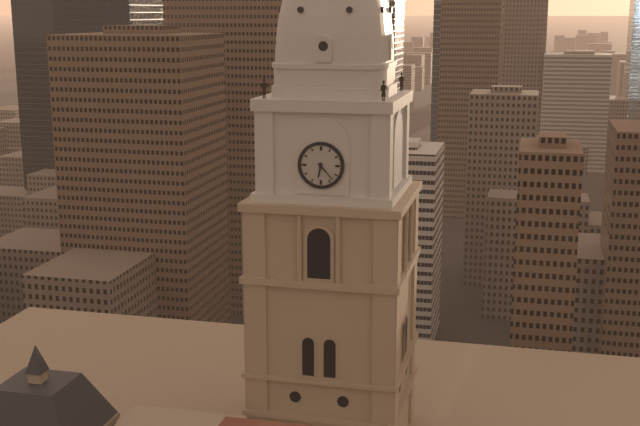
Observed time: 6:23
